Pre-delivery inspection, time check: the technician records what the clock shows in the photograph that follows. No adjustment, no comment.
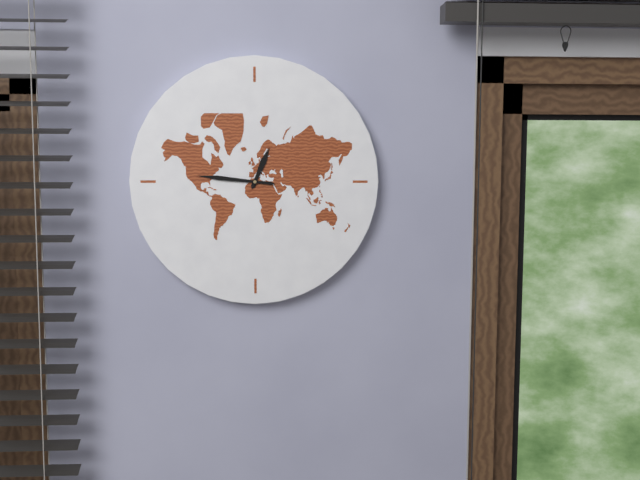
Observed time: 12:46
